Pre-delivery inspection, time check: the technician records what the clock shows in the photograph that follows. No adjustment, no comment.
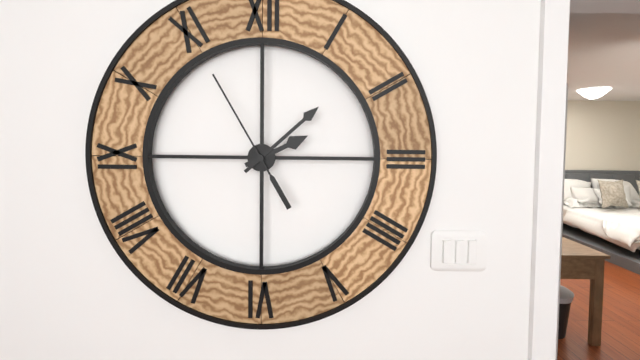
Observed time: 2:08:55
